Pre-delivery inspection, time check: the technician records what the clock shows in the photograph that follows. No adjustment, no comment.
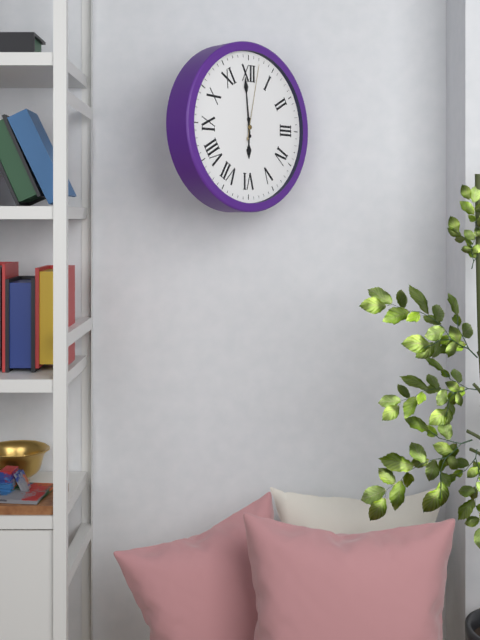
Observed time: 5:59:02
